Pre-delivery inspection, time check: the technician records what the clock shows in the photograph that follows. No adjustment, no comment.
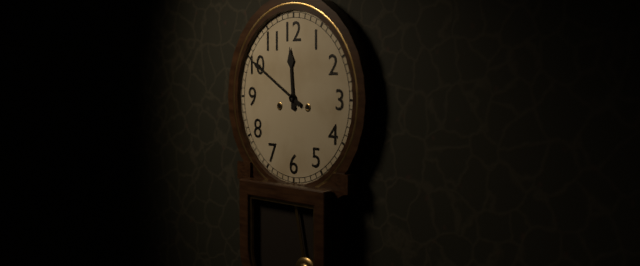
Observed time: 11:50
